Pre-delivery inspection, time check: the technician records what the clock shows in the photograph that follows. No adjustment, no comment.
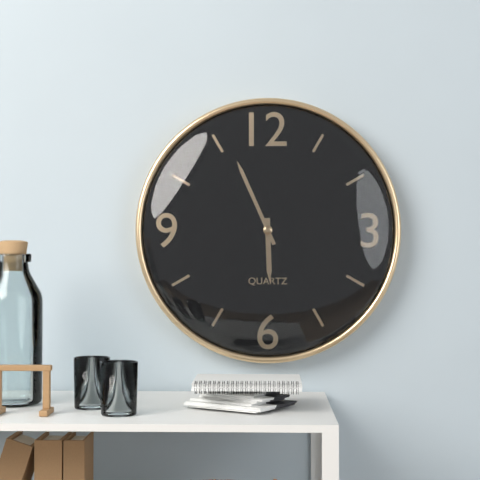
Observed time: 5:56
